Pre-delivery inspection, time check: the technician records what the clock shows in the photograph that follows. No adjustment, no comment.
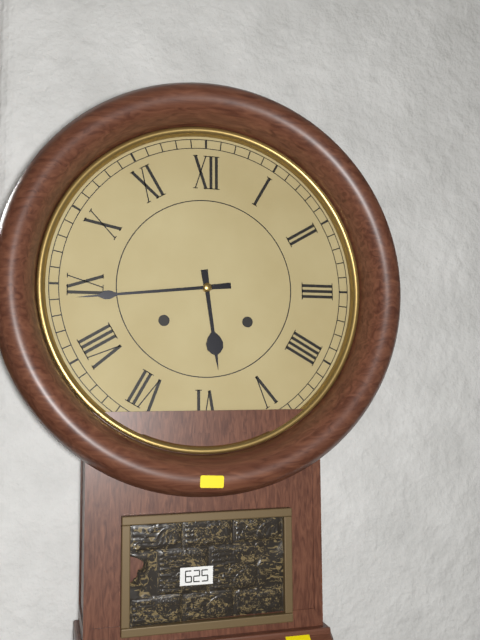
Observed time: 5:44
